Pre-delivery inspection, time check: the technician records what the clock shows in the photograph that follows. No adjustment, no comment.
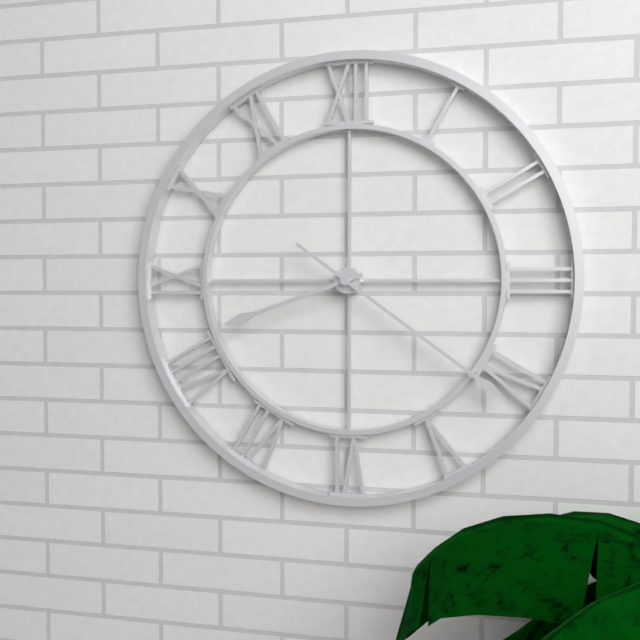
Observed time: 8:21
